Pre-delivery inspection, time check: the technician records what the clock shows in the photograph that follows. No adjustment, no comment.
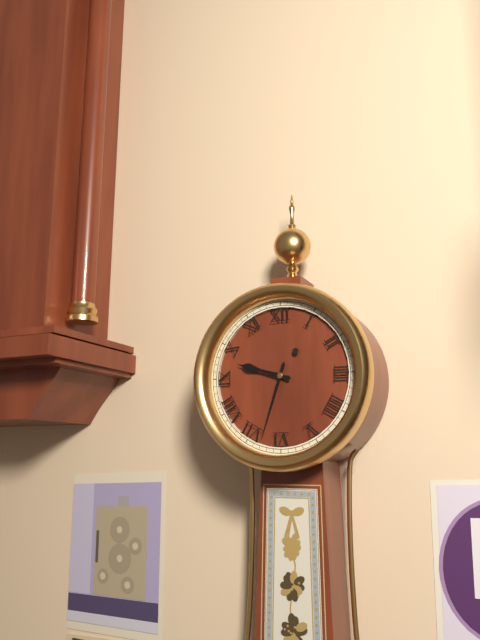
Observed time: 9:33
